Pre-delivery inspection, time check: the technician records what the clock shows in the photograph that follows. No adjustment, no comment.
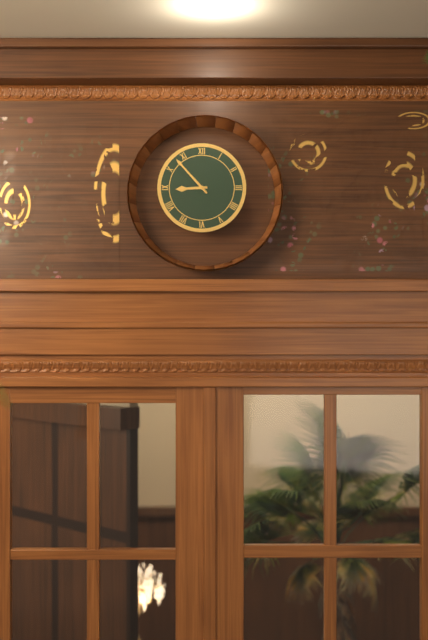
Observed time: 8:53
